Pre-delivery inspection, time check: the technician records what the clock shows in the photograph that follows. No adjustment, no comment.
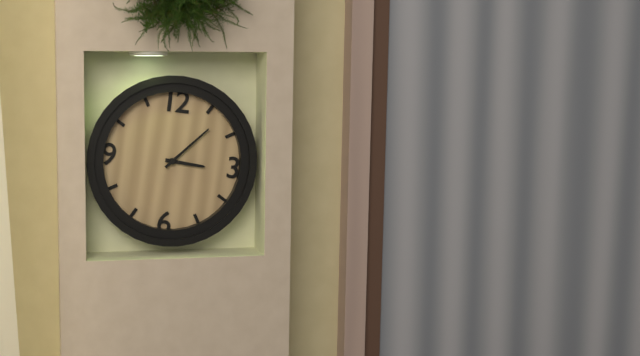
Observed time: 3:07
